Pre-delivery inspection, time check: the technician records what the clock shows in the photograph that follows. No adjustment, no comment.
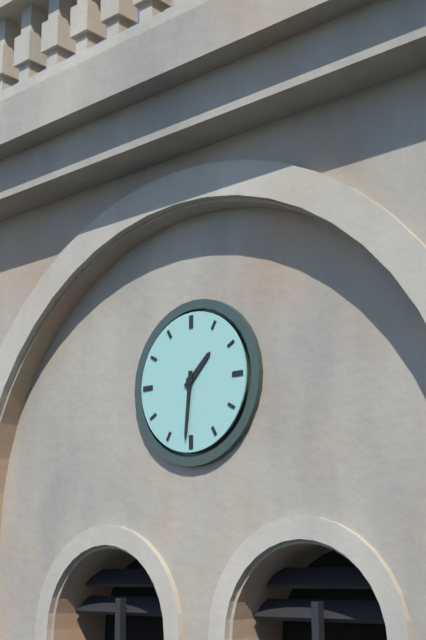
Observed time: 1:31
